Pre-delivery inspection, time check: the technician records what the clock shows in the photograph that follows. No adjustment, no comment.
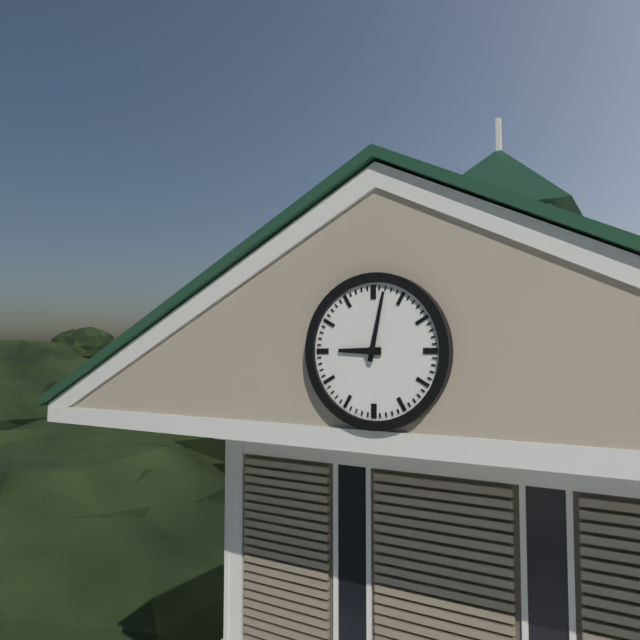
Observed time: 9:02
